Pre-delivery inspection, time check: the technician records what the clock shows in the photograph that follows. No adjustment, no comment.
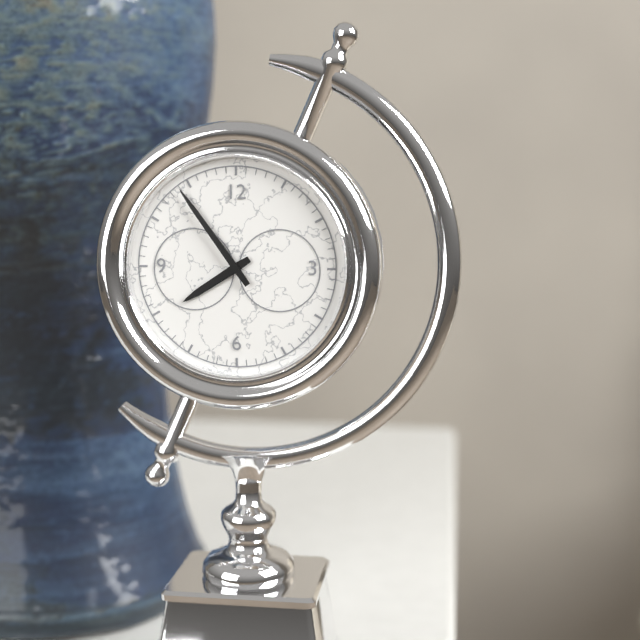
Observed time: 7:54
